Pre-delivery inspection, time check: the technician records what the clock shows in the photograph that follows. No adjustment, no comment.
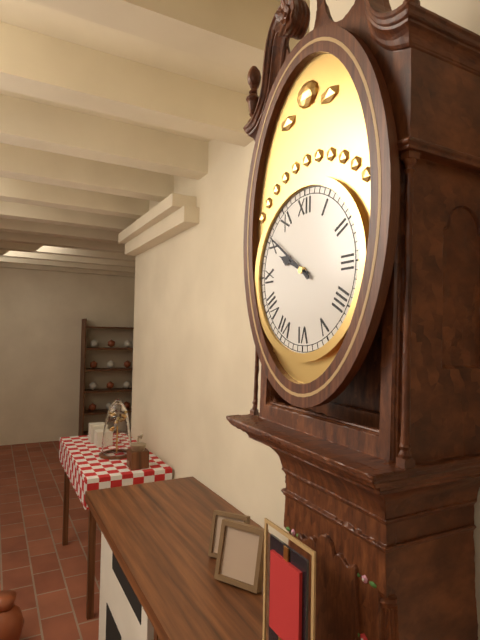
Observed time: 9:51
